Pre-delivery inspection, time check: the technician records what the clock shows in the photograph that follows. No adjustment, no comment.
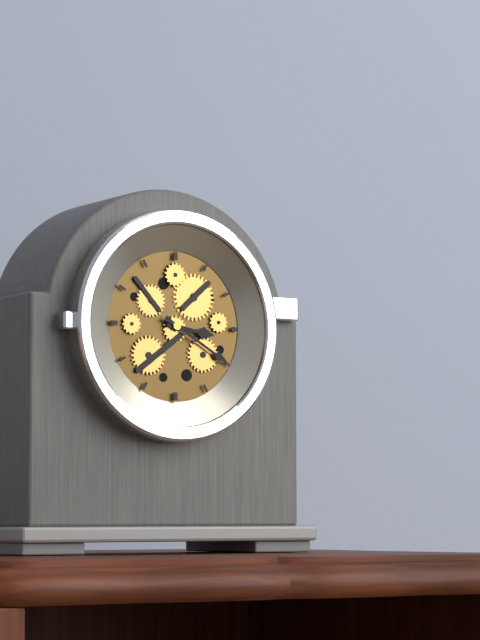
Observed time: 3:20
